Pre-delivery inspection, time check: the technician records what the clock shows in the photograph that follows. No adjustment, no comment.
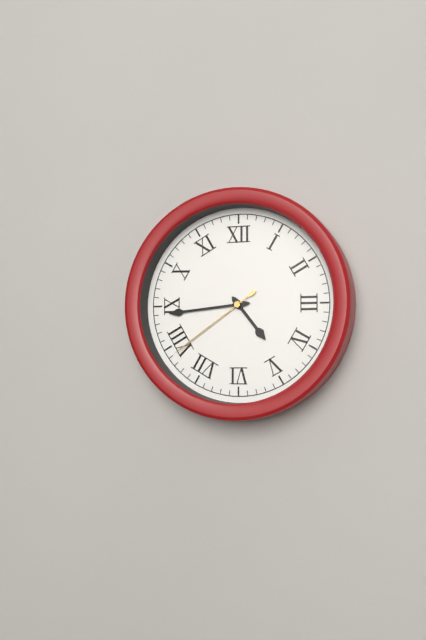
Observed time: 4:44:39
